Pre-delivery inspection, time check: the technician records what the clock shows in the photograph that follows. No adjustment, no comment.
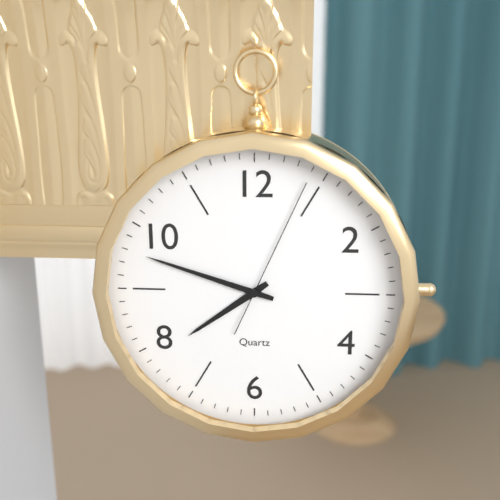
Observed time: 7:48:04
